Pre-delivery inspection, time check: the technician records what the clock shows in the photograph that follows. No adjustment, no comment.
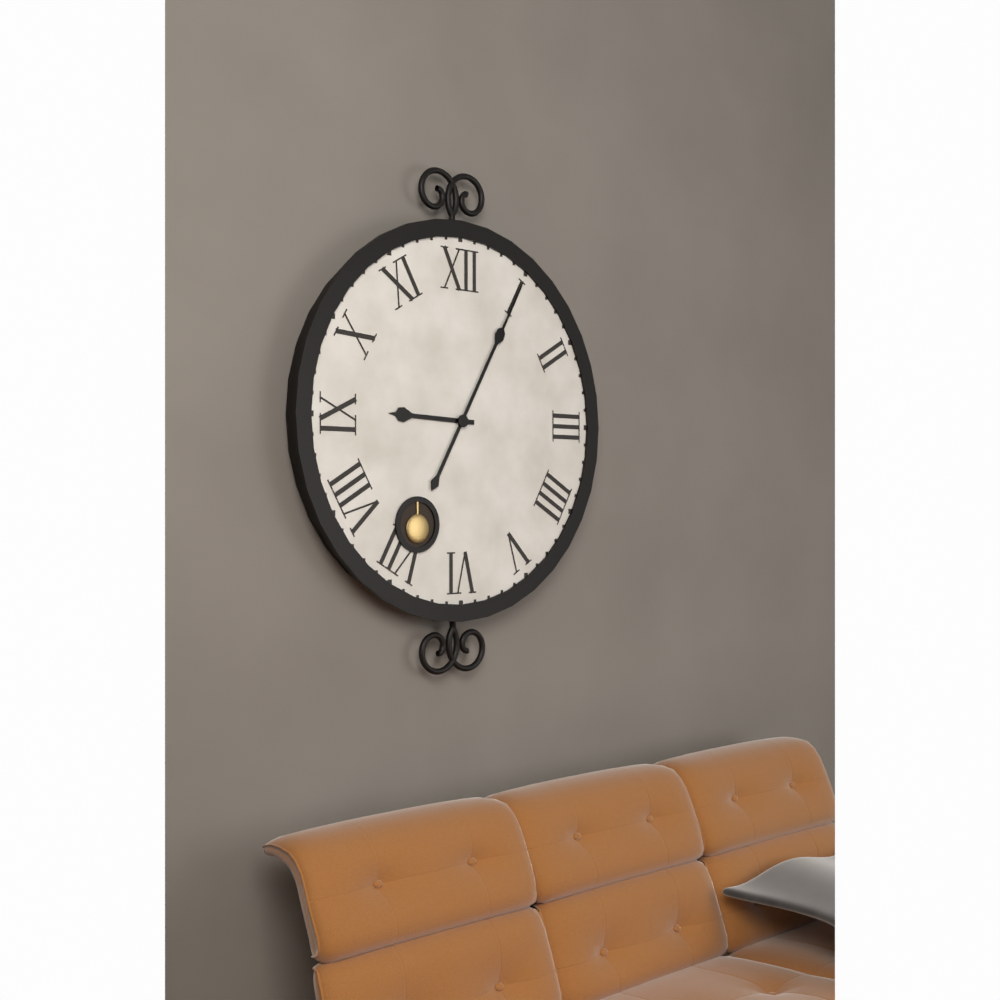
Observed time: 9:05
